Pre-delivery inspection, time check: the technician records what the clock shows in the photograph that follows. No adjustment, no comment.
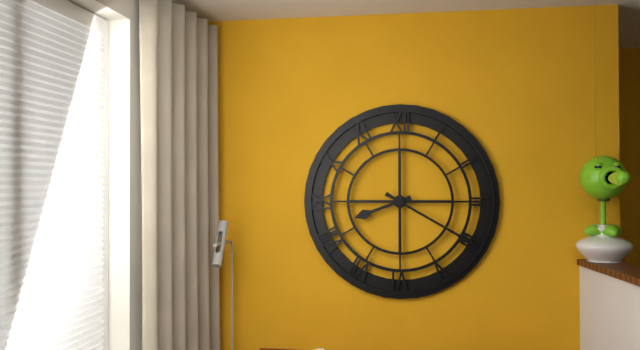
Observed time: 8:20
